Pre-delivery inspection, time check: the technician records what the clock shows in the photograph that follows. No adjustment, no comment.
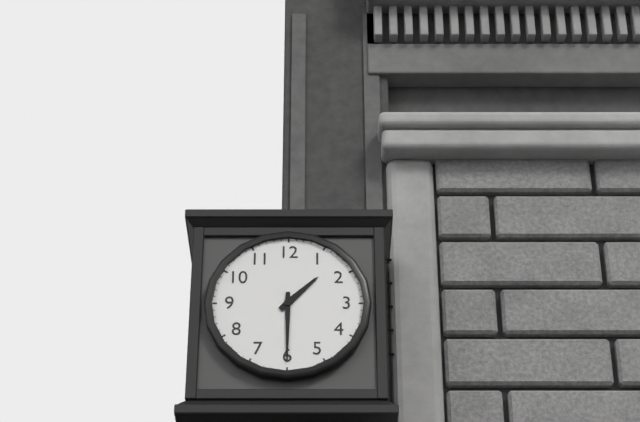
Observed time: 1:30
